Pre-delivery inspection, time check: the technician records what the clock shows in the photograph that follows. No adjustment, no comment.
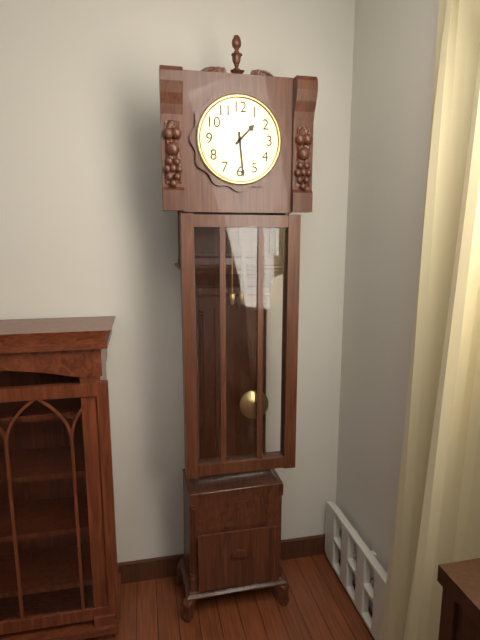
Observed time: 1:29
